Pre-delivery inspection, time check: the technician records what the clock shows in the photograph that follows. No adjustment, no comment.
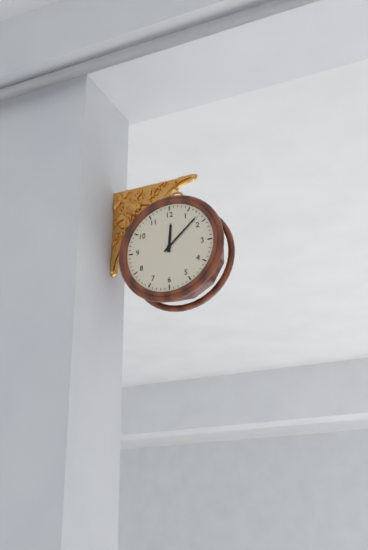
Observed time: 12:08
